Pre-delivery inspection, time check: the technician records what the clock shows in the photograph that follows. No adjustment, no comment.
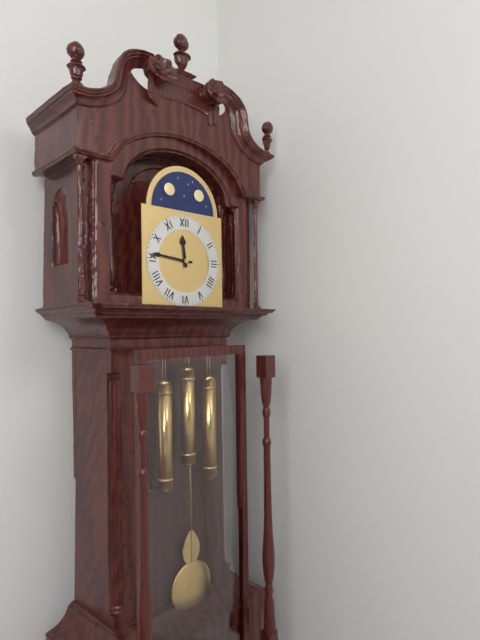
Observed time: 11:46
